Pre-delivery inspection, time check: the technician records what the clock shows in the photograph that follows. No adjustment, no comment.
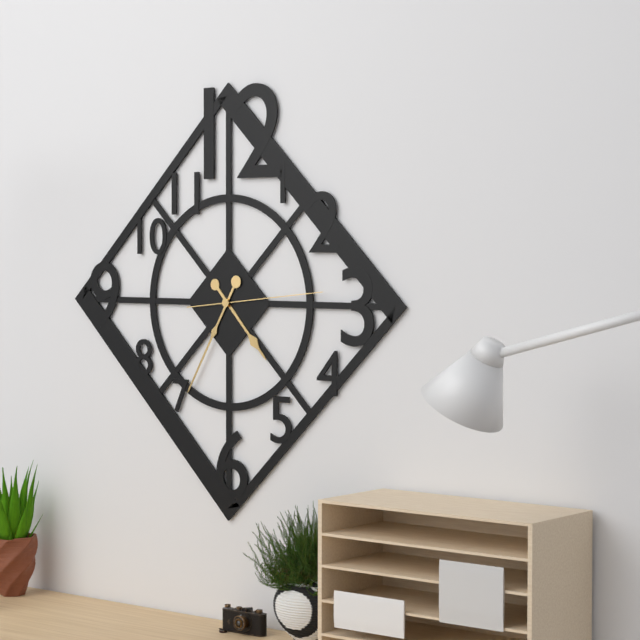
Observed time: 4:35:14
